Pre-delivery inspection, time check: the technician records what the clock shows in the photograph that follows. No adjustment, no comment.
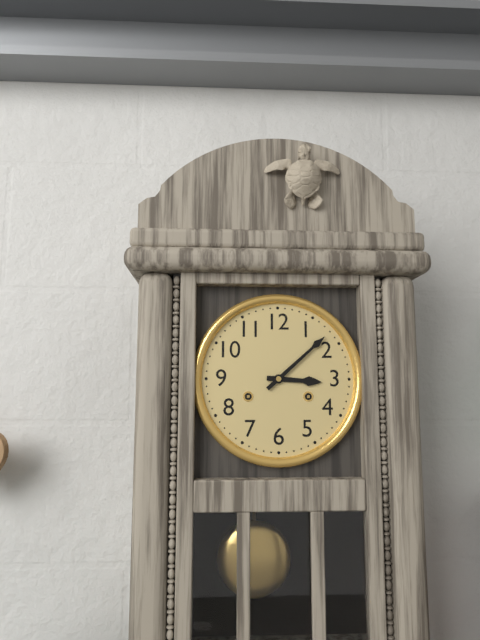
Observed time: 3:08
